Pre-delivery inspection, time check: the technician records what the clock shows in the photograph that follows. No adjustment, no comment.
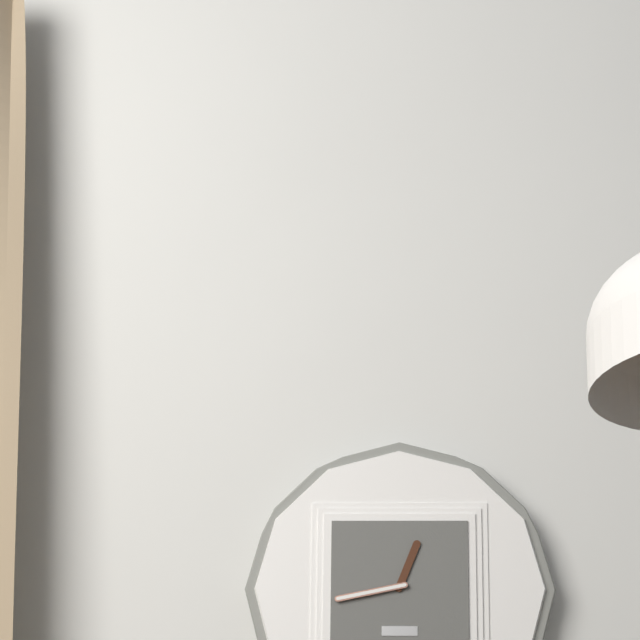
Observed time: 12:43
